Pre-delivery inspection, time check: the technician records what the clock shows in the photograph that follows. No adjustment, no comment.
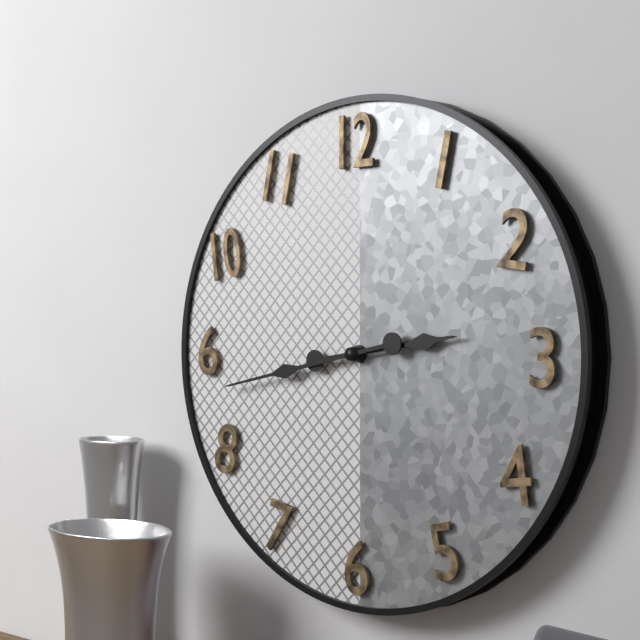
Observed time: 2:43
